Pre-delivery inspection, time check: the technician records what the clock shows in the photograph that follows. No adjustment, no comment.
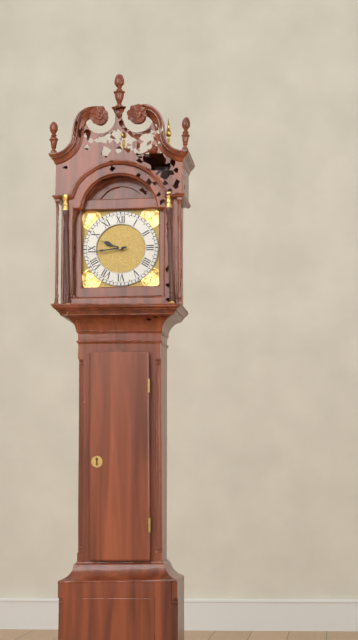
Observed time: 9:44
